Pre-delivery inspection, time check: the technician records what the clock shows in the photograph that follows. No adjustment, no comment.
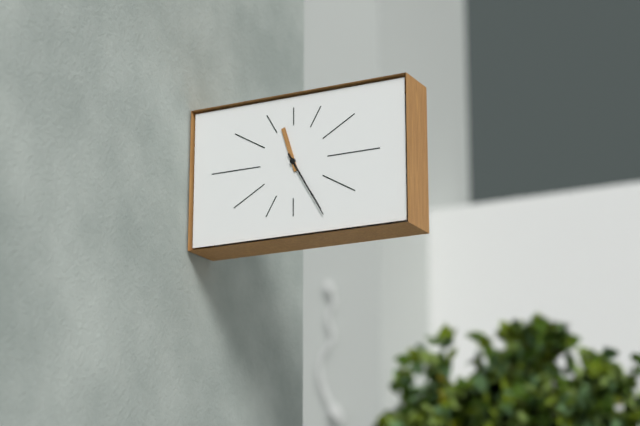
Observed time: 11:25
